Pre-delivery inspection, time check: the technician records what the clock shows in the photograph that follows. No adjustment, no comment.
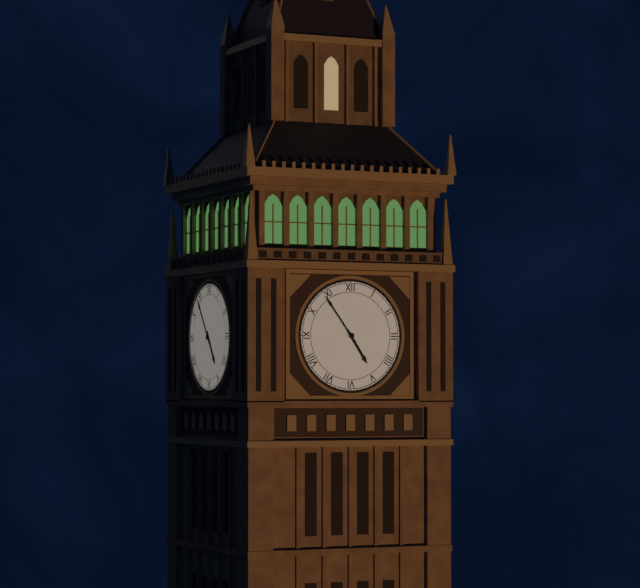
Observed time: 4:54
